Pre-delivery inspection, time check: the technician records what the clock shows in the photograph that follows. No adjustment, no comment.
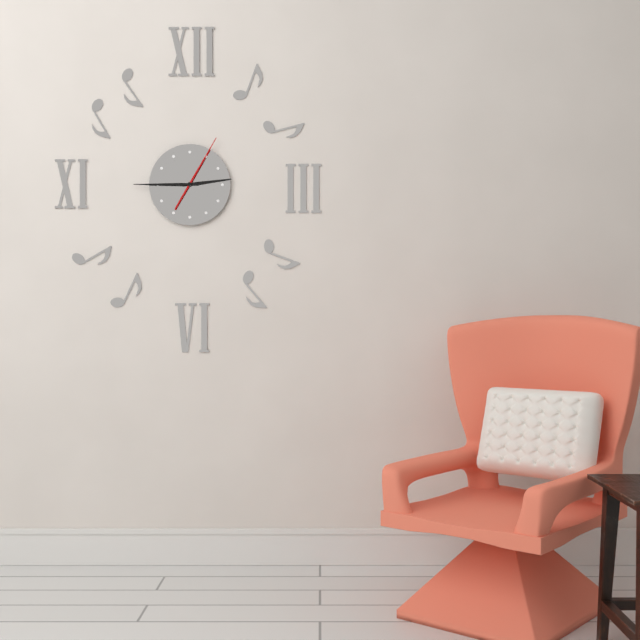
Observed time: 2:45:05
